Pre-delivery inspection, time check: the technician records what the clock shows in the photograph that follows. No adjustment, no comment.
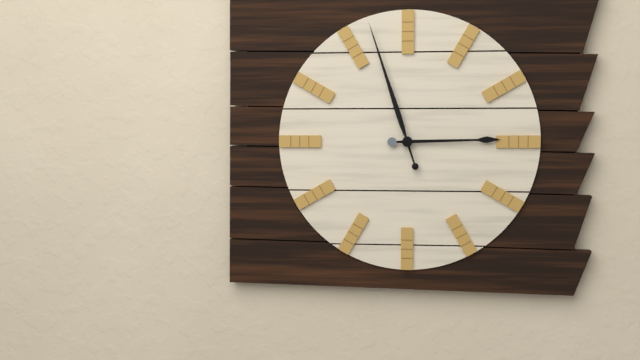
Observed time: 2:57
